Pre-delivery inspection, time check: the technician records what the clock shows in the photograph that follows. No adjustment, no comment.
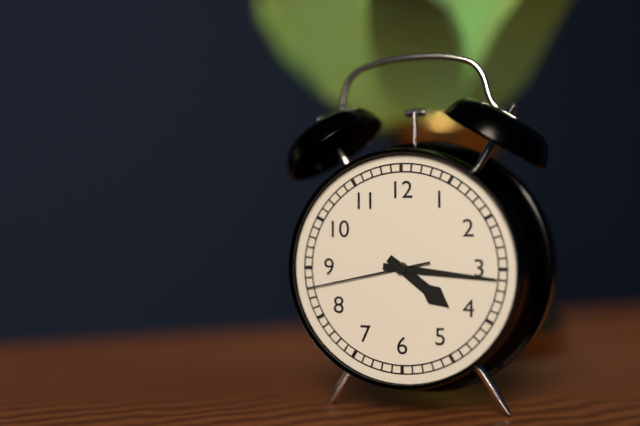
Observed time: 4:16:43
